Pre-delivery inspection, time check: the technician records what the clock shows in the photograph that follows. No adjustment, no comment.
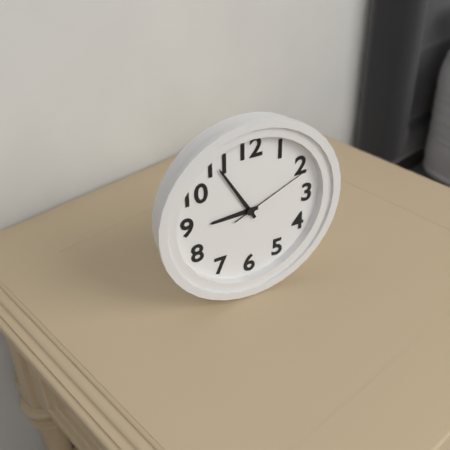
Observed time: 8:55:11
